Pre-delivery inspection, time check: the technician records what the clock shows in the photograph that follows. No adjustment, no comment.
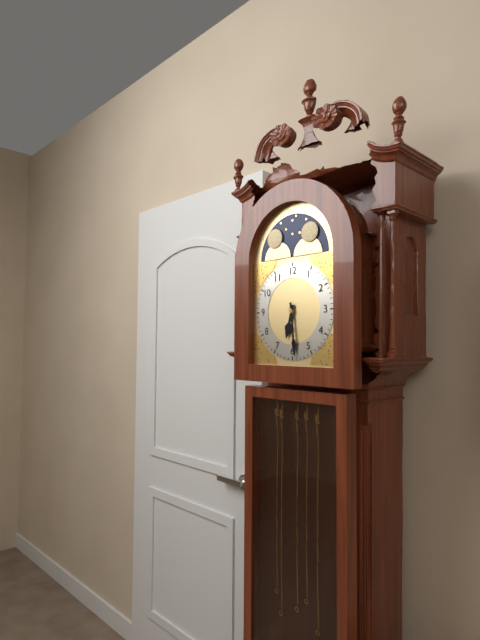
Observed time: 6:29
